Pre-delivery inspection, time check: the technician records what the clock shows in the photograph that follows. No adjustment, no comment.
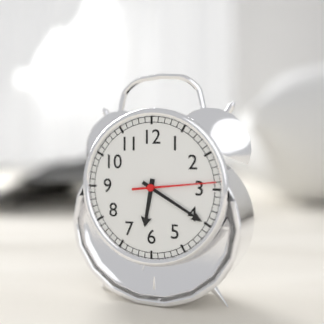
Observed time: 6:20:14
